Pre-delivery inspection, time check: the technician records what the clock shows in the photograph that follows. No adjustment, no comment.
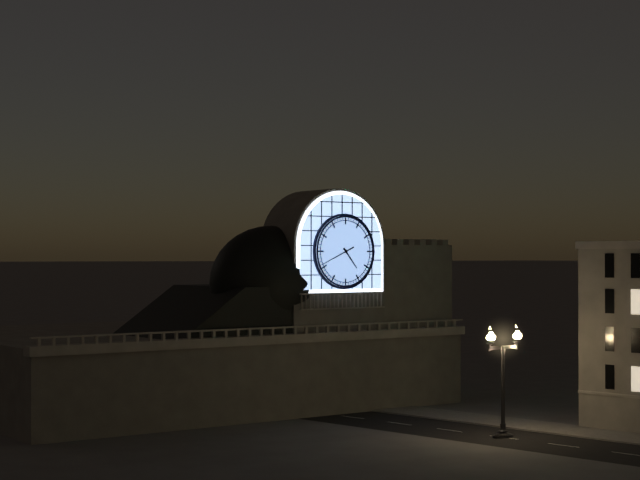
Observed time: 4:41
